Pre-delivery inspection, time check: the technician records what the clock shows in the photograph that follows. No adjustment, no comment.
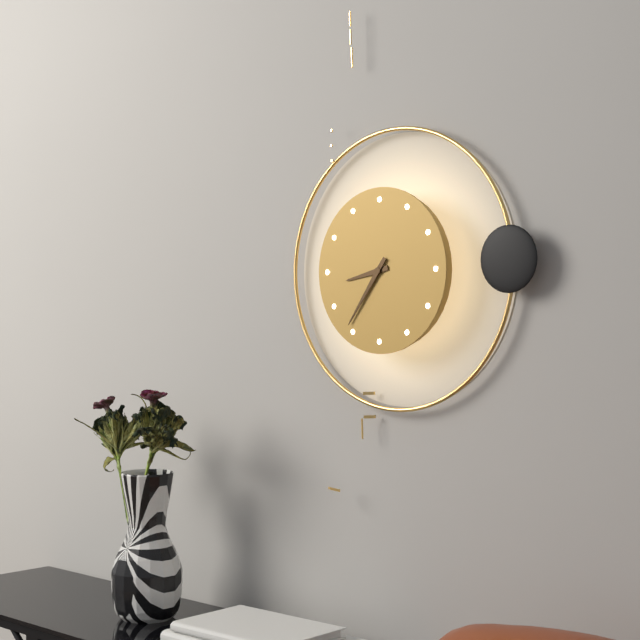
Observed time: 8:36
